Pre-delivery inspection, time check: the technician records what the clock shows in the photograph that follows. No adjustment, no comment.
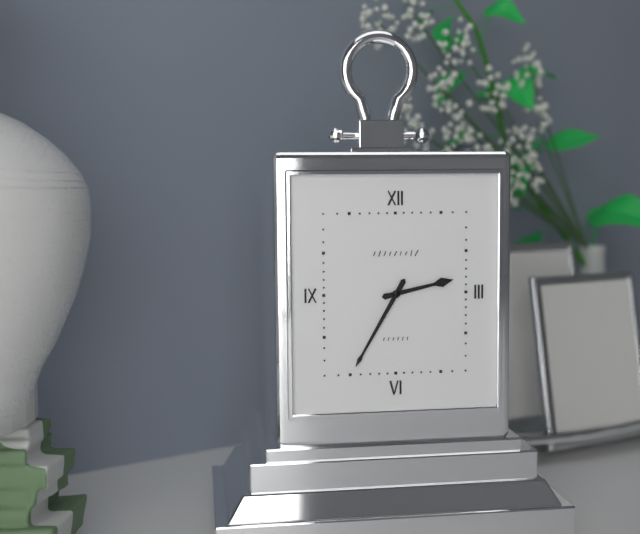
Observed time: 2:35
